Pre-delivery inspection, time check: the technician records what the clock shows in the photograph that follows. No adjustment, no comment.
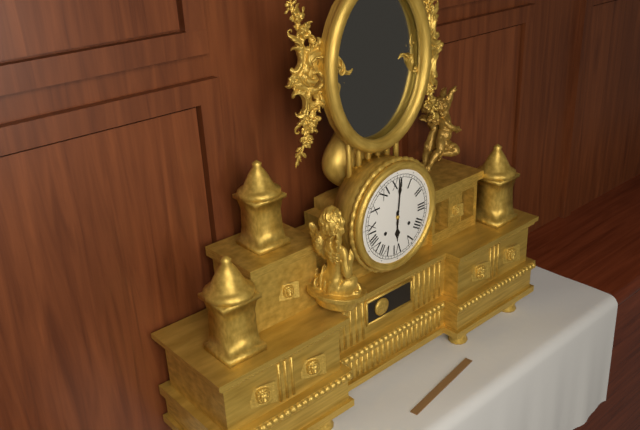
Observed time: 6:01
